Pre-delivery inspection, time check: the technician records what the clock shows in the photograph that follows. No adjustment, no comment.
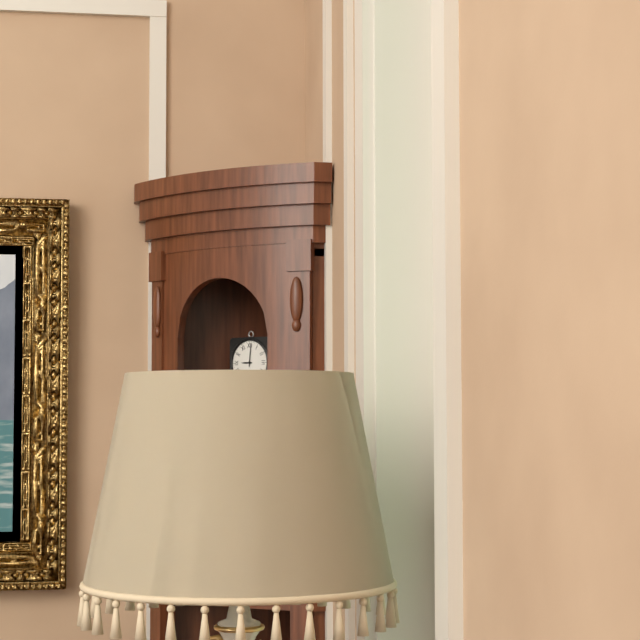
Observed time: 9:01
